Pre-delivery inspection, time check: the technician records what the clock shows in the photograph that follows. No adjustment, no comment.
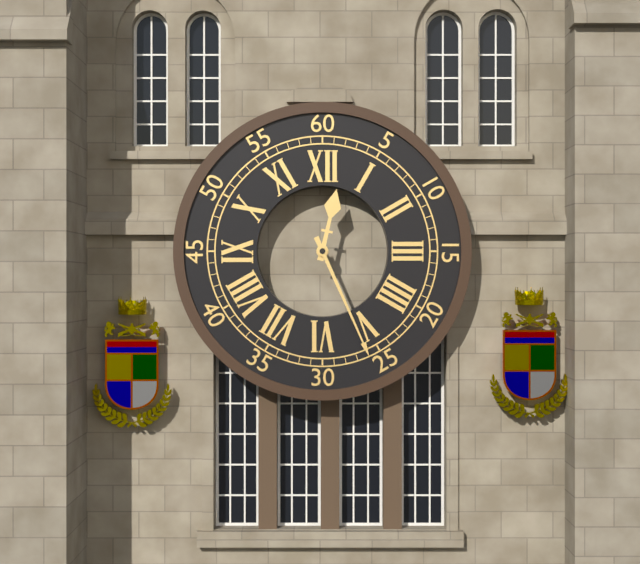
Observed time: 12:26
